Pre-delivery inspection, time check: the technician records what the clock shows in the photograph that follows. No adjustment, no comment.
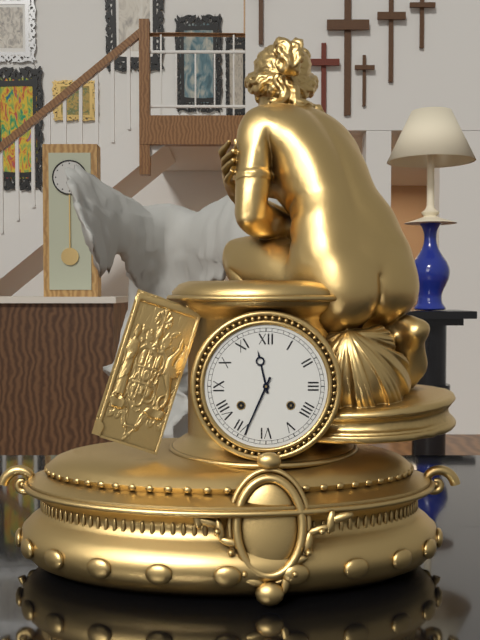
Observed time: 11:34
